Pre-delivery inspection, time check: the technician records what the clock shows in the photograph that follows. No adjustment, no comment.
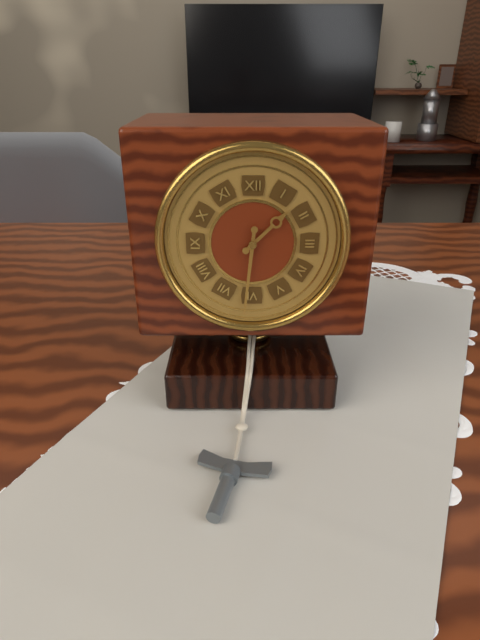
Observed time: 1:31
